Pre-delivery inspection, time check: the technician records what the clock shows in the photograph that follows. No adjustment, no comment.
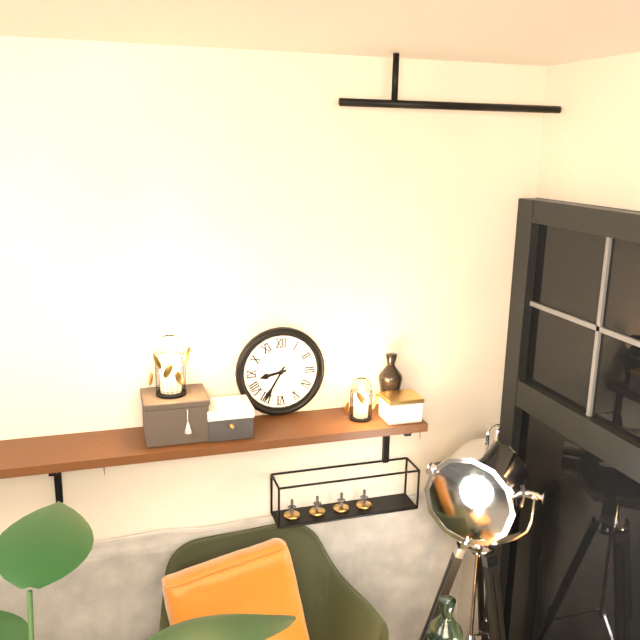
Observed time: 8:35
